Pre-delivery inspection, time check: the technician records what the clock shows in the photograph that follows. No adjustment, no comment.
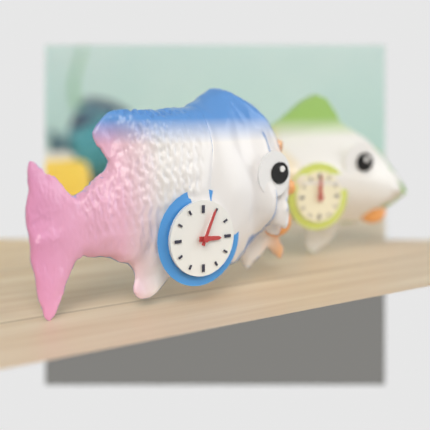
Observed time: 3:04
